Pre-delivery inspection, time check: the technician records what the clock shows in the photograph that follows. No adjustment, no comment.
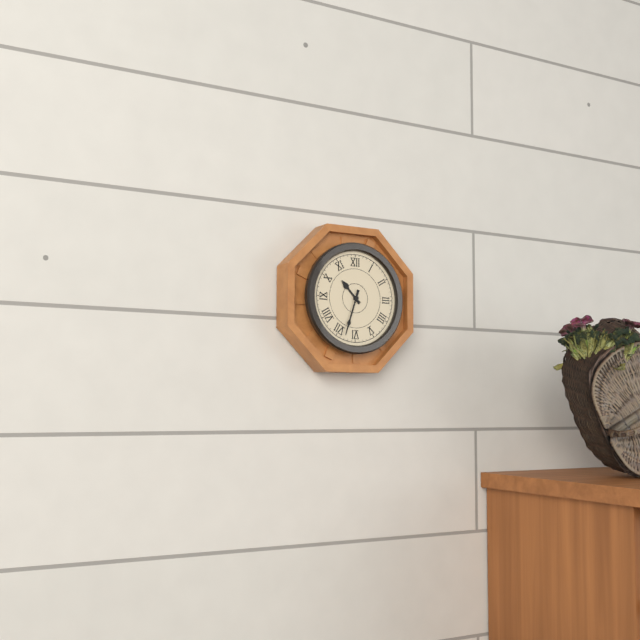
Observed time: 10:33
